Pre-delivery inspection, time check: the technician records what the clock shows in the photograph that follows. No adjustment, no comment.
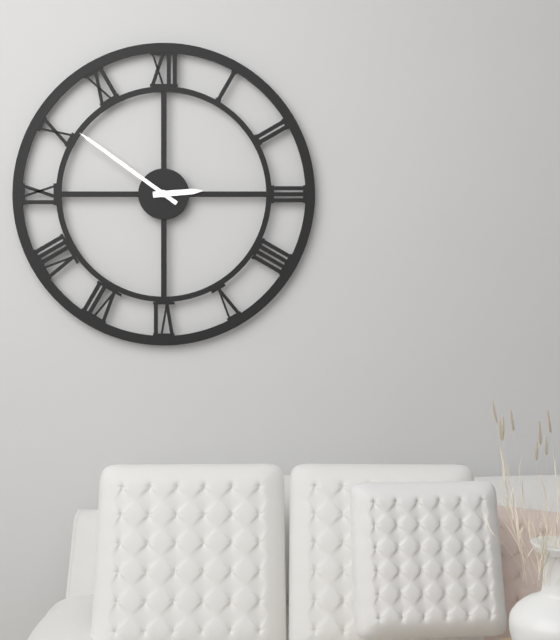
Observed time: 2:51
